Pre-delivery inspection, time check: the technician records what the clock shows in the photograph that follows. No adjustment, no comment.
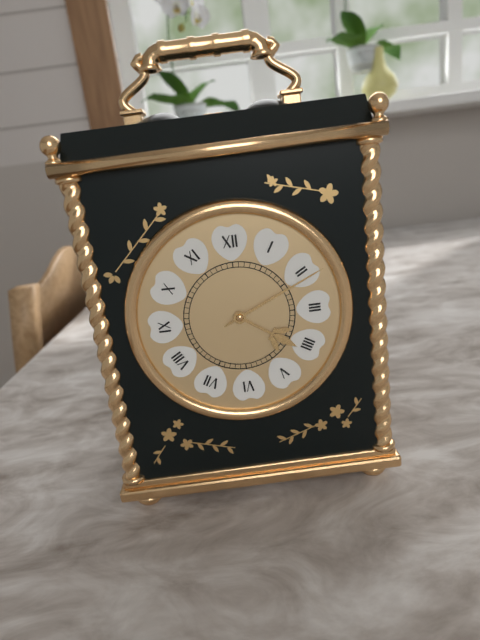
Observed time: 4:11
